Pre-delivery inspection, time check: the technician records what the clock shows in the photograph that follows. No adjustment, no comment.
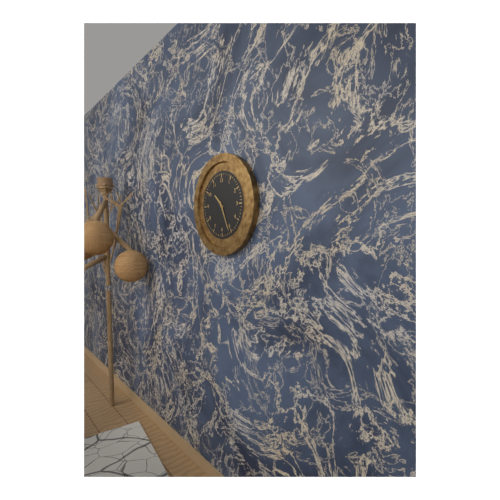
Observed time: 10:26
